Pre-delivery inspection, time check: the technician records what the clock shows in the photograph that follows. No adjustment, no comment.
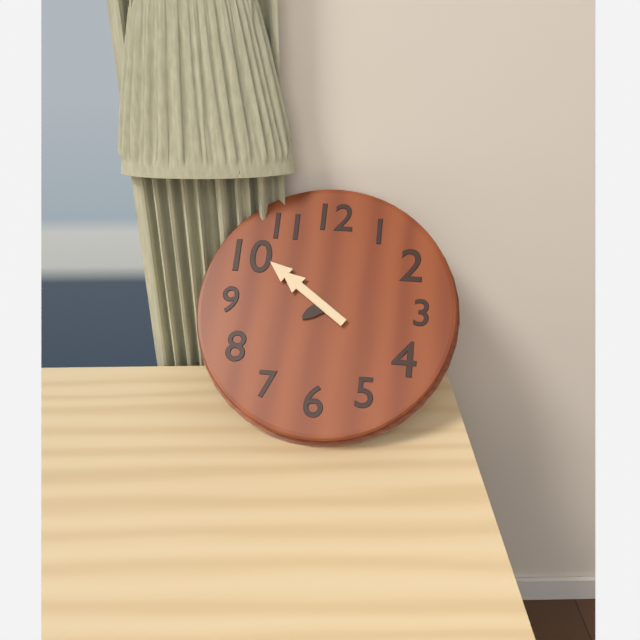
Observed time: 7:51
